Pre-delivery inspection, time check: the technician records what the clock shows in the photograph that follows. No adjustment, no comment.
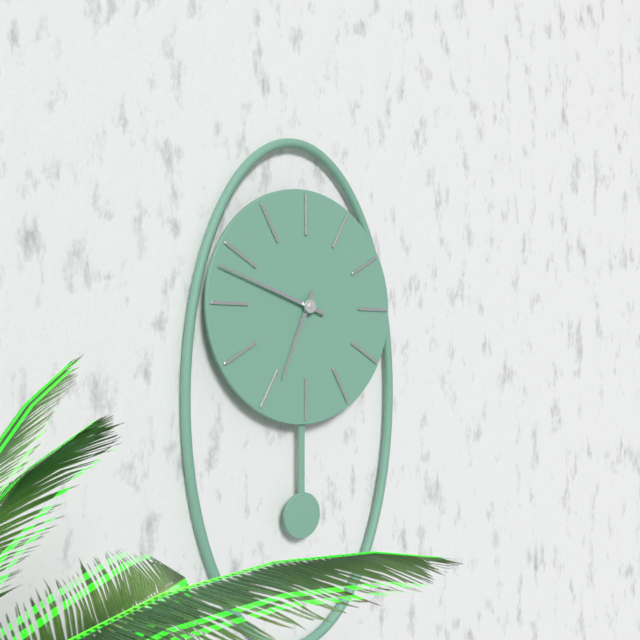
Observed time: 6:48
